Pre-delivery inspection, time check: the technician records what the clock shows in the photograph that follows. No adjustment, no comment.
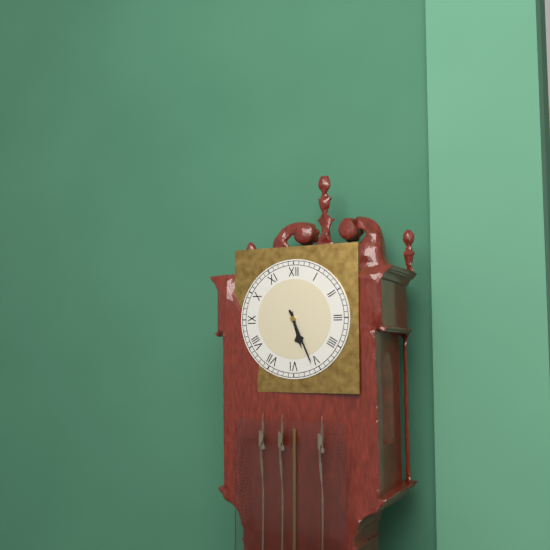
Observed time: 5:26
